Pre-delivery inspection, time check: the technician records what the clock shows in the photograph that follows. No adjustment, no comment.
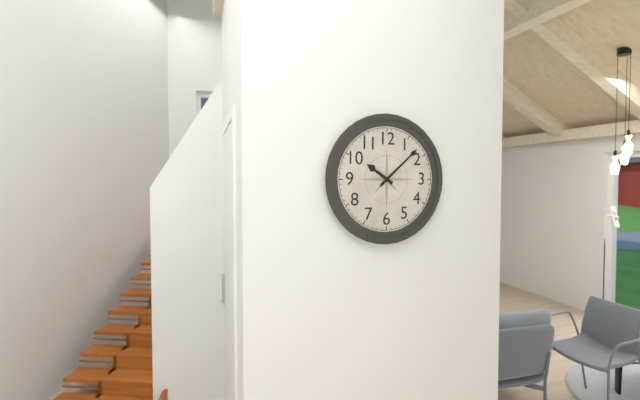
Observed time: 10:08
